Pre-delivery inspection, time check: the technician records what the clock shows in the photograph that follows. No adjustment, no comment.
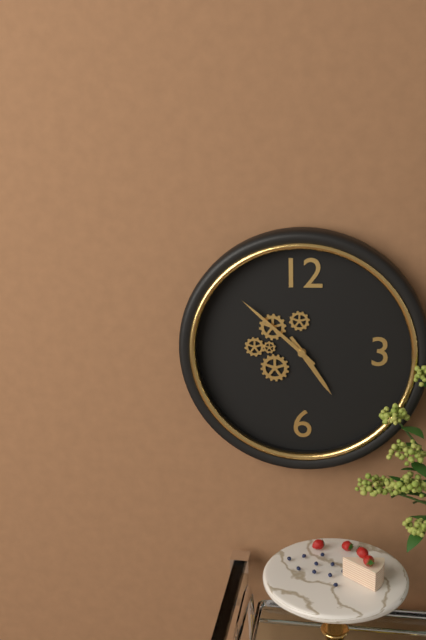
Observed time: 4:52
